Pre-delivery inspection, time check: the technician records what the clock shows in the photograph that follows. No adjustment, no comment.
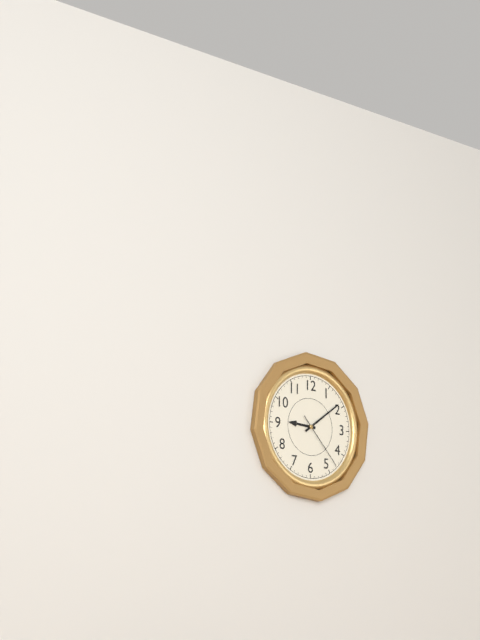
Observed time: 9:09:23
